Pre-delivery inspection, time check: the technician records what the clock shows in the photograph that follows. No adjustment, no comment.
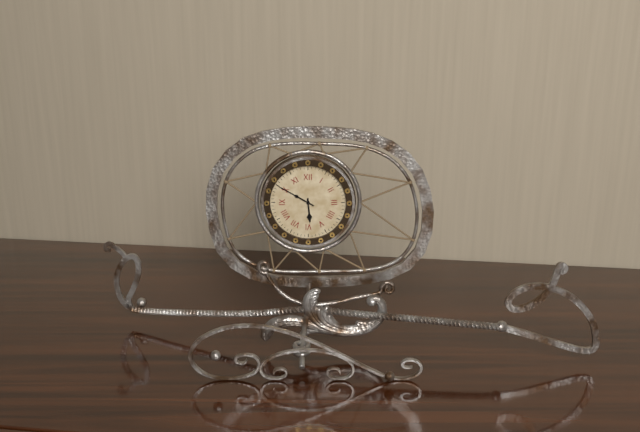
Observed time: 5:50
